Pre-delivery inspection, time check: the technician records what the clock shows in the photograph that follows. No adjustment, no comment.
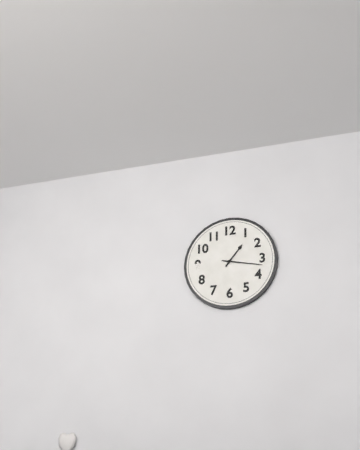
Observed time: 1:17
